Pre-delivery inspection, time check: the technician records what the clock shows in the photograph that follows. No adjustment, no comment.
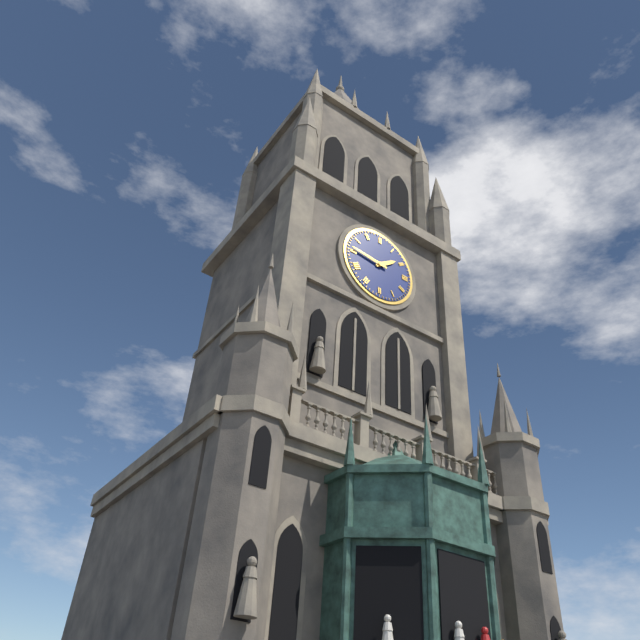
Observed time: 1:46
